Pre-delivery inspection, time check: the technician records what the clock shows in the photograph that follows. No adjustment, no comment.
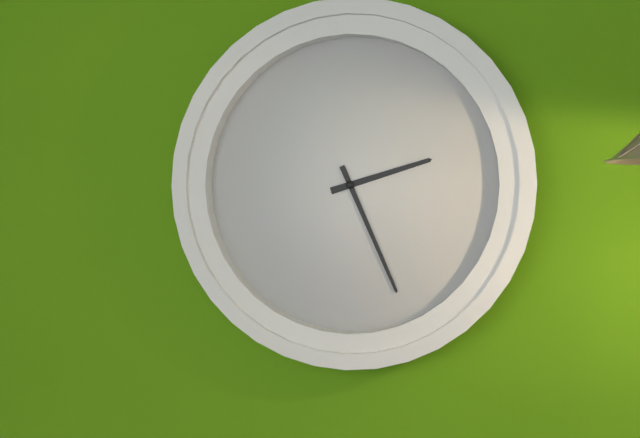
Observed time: 2:26
